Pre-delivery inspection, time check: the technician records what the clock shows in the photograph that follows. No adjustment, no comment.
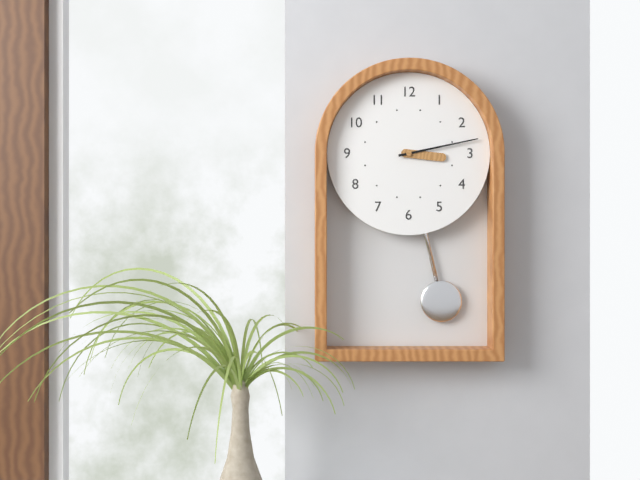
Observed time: 3:13
